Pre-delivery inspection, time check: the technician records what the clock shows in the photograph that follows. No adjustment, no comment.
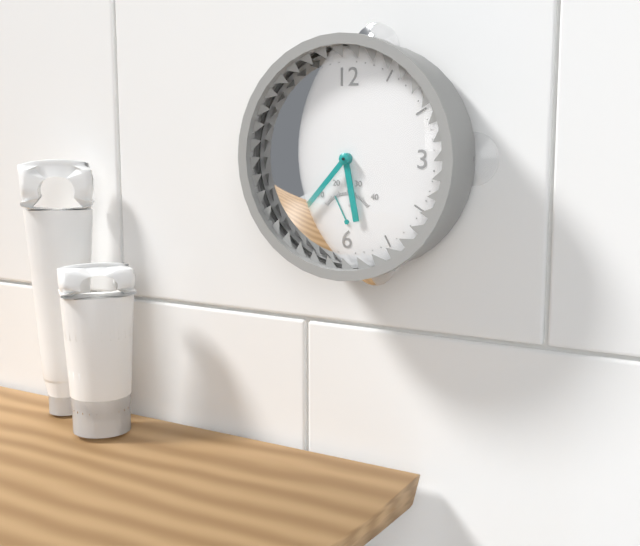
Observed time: 5:37
